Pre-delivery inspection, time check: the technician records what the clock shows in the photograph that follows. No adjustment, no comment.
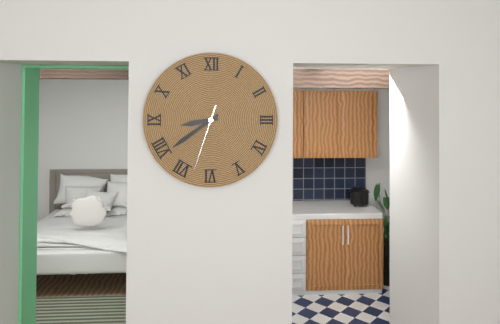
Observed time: 8:39:33
